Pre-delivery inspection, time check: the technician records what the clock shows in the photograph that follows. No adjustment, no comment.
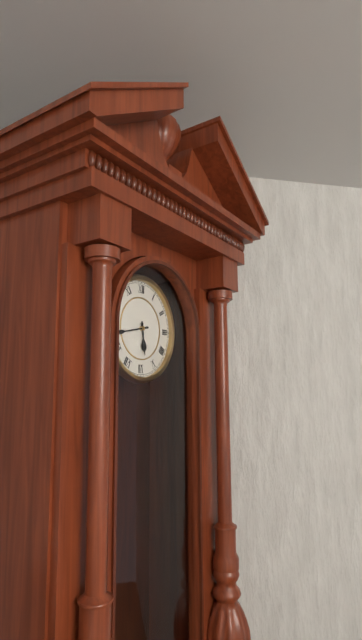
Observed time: 5:43
